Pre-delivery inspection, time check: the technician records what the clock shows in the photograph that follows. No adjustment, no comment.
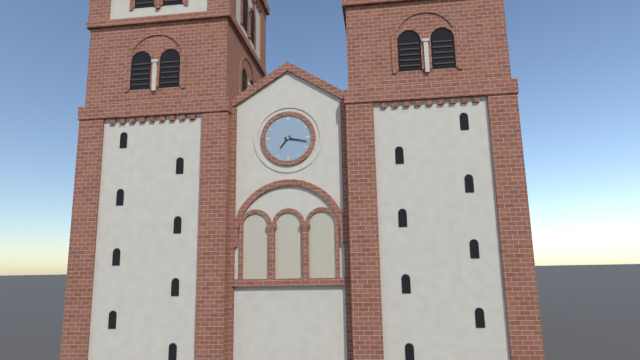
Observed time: 7:17
